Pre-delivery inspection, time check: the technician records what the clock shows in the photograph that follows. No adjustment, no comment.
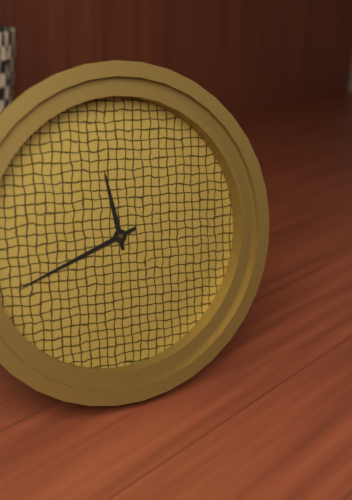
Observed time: 11:42
